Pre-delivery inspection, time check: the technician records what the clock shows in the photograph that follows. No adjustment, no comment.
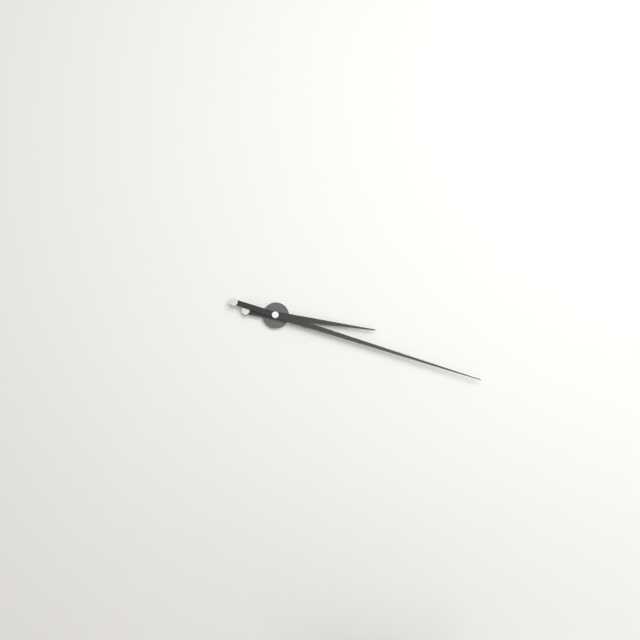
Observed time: 3:18
